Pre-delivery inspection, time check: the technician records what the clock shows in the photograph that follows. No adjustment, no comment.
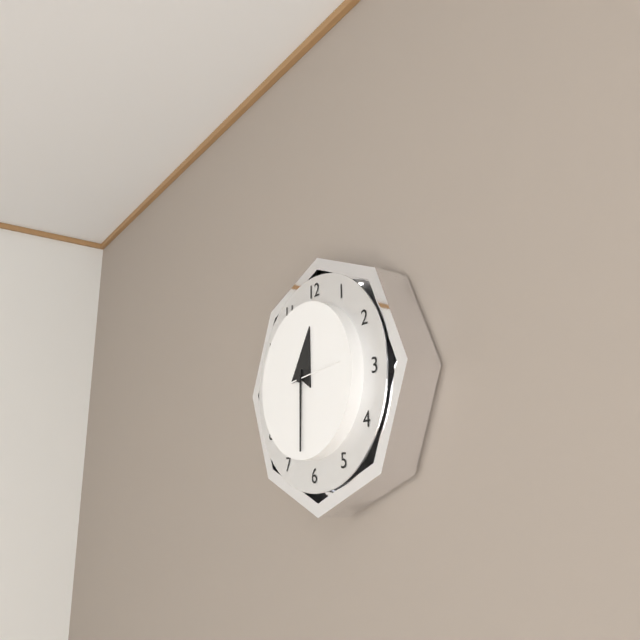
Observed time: 12:30:14
